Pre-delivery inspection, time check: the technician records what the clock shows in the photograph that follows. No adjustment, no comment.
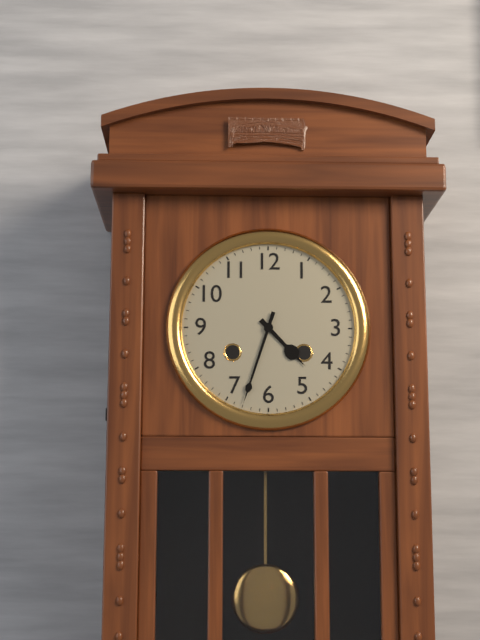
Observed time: 4:33
